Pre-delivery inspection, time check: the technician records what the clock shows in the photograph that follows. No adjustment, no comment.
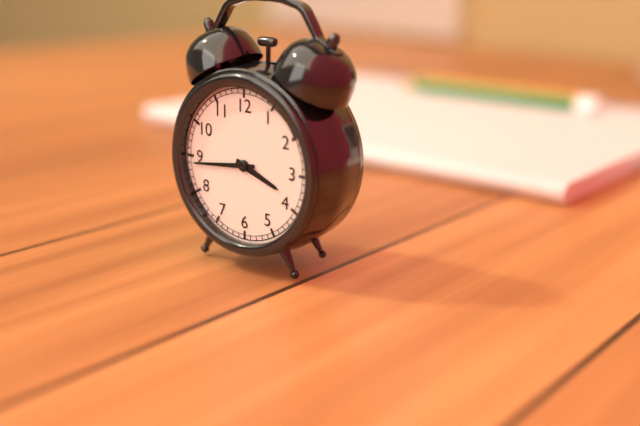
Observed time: 3:44
